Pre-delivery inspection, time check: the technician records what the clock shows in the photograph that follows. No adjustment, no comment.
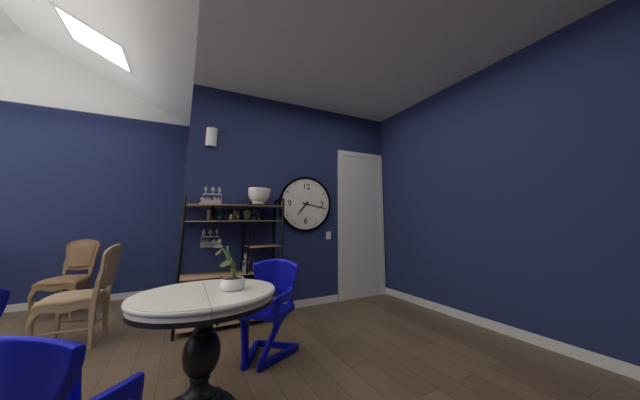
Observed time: 7:17
